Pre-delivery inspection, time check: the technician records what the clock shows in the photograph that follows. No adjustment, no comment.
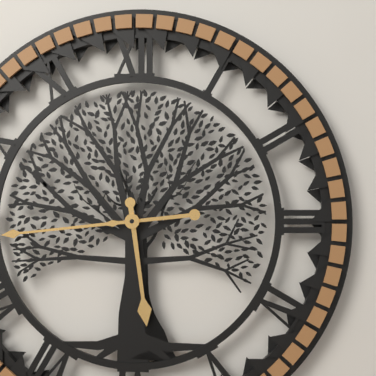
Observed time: 5:44
